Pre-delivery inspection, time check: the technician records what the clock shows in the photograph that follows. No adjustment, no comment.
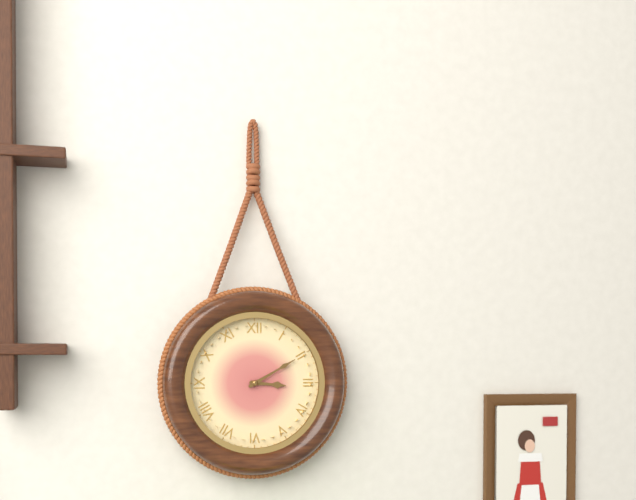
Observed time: 3:10
